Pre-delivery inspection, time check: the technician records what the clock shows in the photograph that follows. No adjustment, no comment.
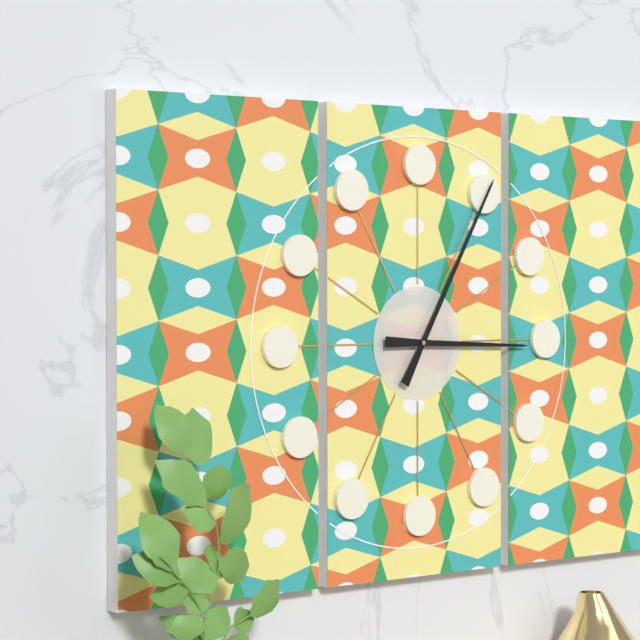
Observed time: 3:05
